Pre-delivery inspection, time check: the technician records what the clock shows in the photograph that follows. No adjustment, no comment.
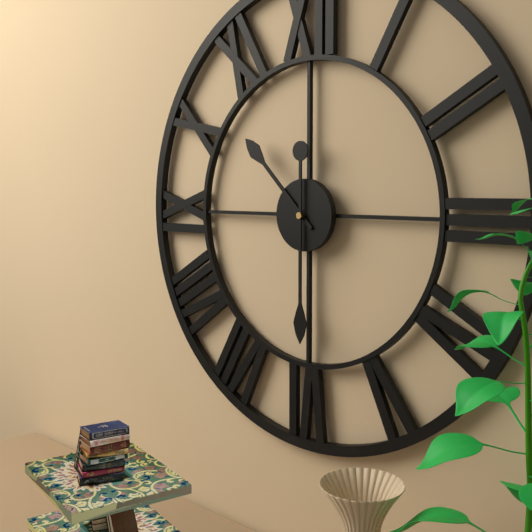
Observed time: 10:30
